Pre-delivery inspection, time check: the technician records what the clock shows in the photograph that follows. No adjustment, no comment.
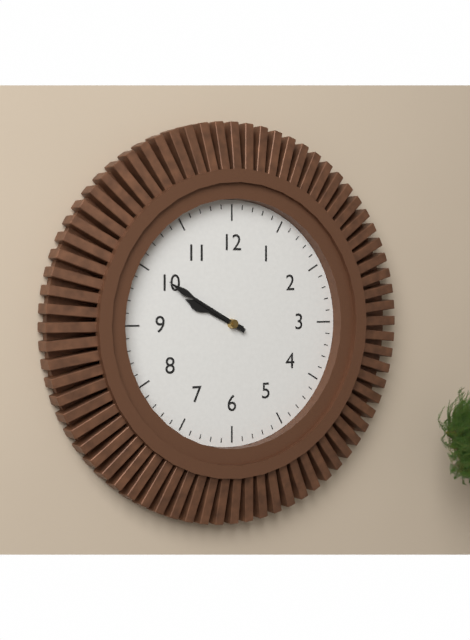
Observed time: 9:50
